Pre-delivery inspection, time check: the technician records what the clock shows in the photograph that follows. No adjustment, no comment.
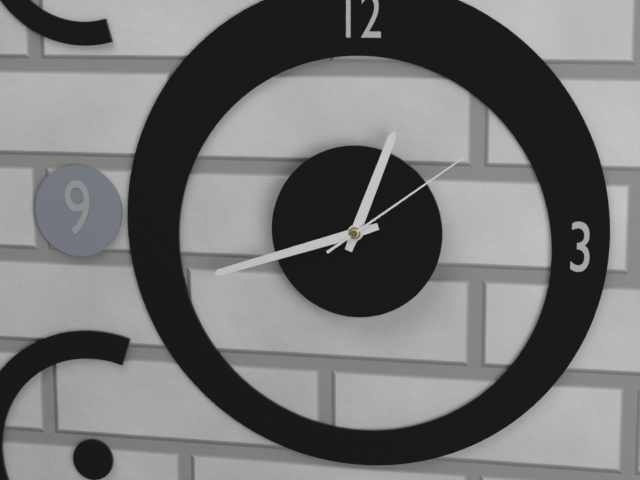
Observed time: 12:42:09
